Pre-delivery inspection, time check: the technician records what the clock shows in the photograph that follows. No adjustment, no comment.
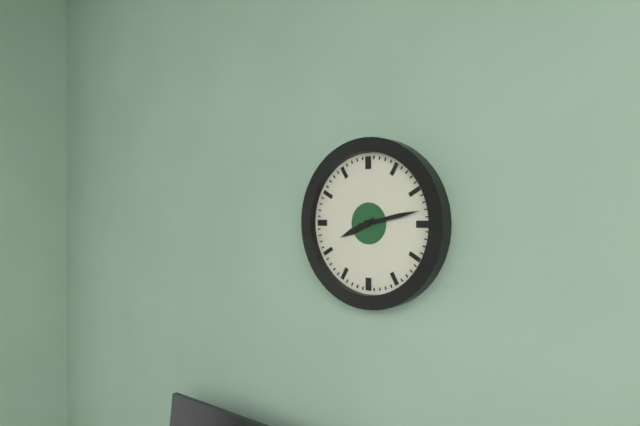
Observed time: 8:13
